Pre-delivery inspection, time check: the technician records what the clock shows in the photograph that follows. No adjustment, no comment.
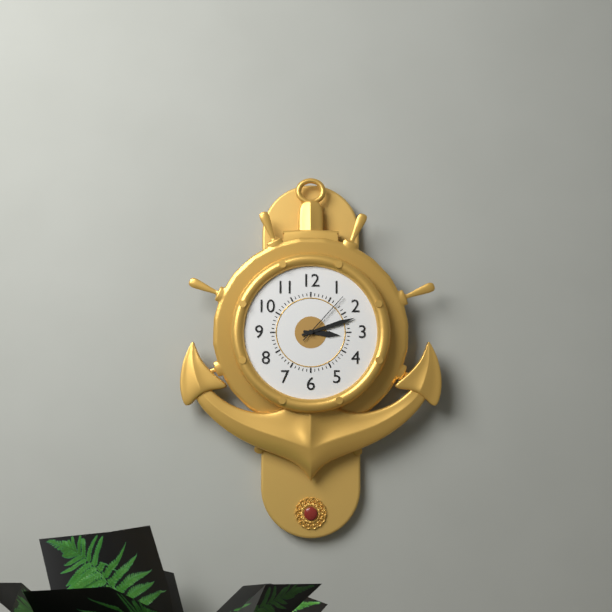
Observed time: 3:12:07
